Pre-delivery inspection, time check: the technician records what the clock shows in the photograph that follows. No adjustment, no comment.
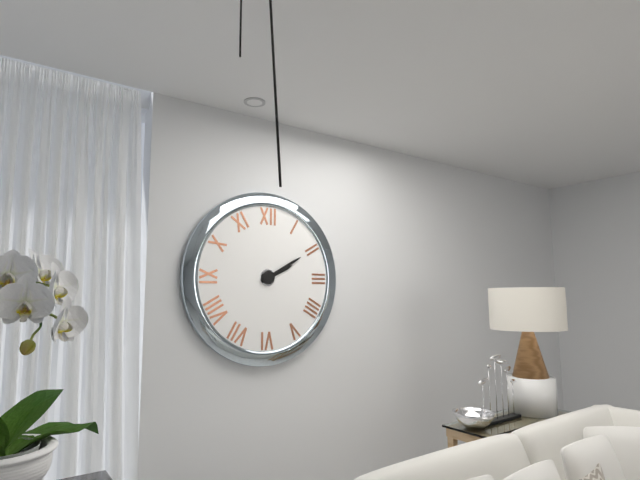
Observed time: 2:10
